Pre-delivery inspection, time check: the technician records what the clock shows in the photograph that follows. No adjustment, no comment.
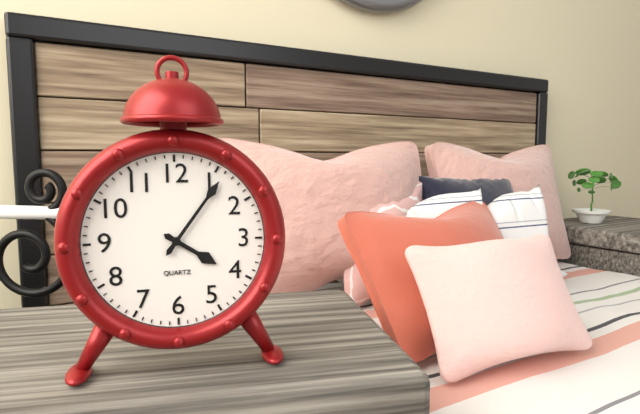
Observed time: 4:06
